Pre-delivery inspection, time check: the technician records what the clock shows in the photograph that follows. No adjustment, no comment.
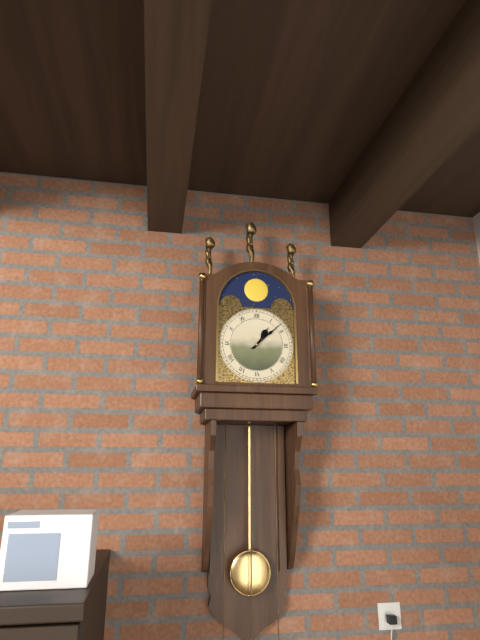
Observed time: 1:08
